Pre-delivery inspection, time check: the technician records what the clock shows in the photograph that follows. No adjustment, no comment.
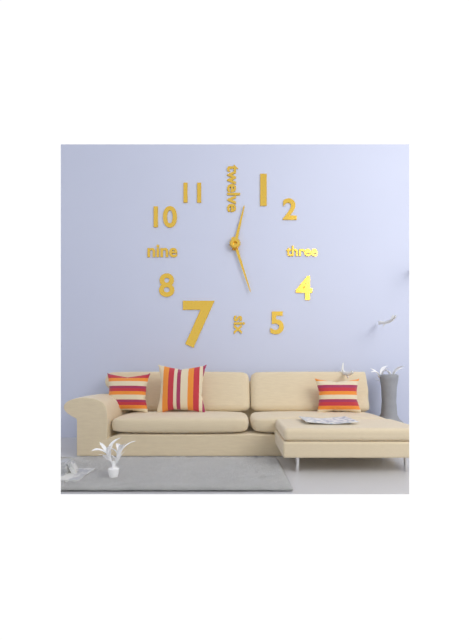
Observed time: 12:27
